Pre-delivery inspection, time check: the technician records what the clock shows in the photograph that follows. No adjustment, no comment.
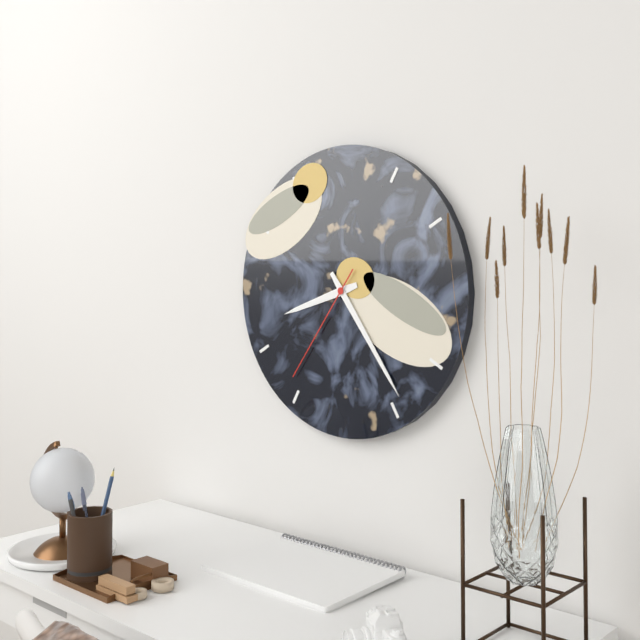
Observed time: 8:24:36
